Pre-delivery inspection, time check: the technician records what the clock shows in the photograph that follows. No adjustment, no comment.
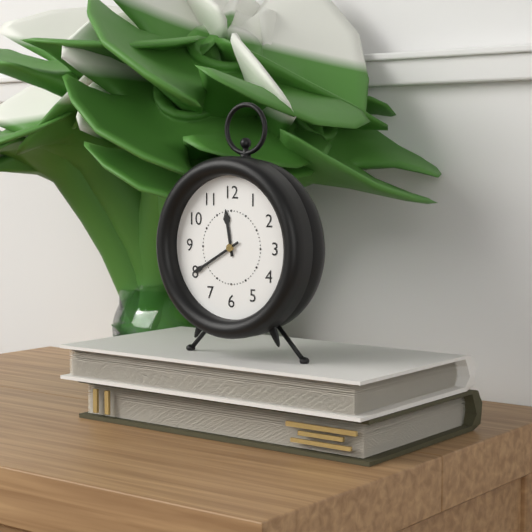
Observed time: 11:40
